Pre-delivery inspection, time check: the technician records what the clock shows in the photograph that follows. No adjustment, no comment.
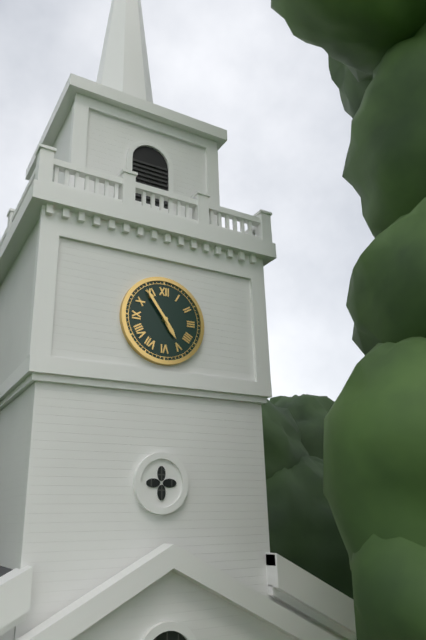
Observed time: 4:54
